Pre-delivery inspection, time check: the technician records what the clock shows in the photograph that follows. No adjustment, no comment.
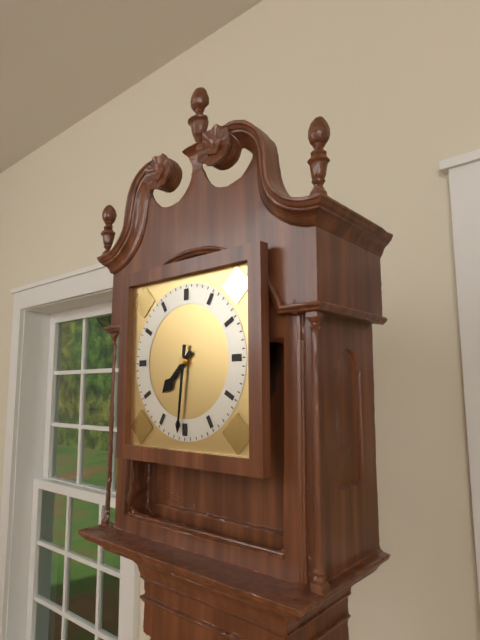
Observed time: 7:31
